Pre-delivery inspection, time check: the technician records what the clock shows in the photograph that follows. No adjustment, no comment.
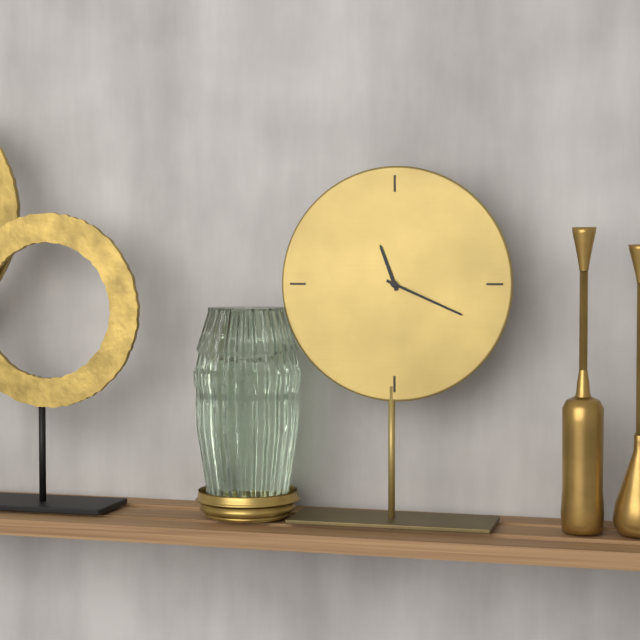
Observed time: 11:19
